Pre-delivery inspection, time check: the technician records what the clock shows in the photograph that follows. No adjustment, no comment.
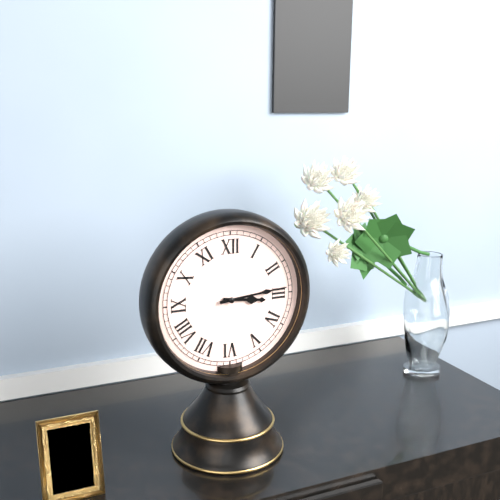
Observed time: 3:14
